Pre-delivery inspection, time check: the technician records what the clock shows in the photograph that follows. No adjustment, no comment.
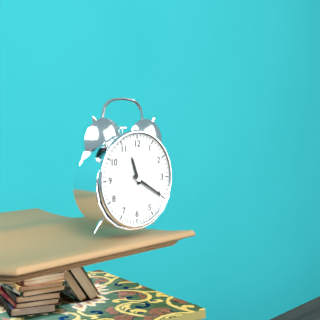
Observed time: 11:20
